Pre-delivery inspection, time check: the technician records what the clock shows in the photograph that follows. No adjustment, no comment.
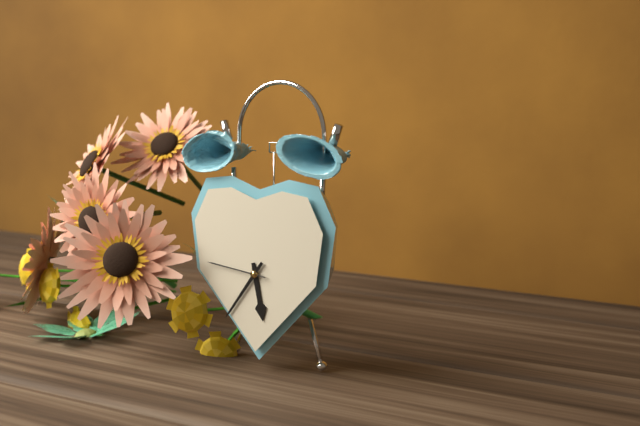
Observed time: 5:36:46
